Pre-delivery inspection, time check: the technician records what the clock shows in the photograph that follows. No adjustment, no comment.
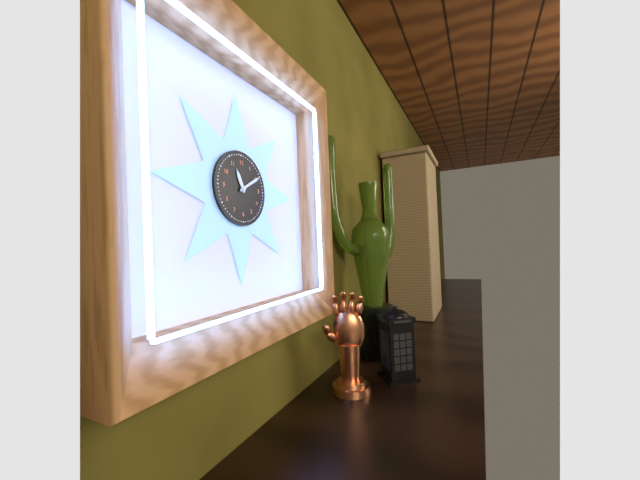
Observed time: 11:10
